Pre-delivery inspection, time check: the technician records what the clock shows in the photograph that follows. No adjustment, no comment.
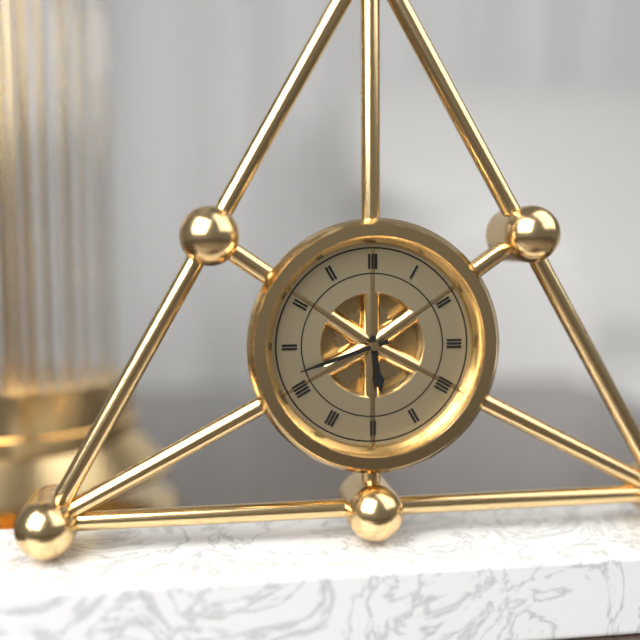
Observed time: 5:42
